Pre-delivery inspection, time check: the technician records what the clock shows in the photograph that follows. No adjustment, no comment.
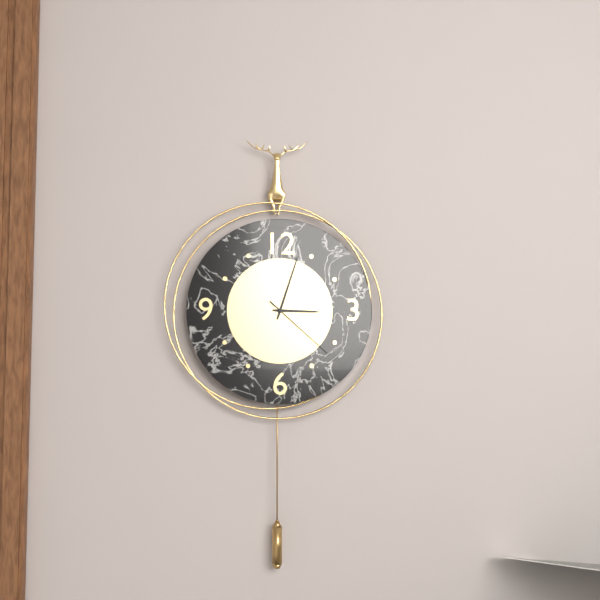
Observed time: 3:03:22
